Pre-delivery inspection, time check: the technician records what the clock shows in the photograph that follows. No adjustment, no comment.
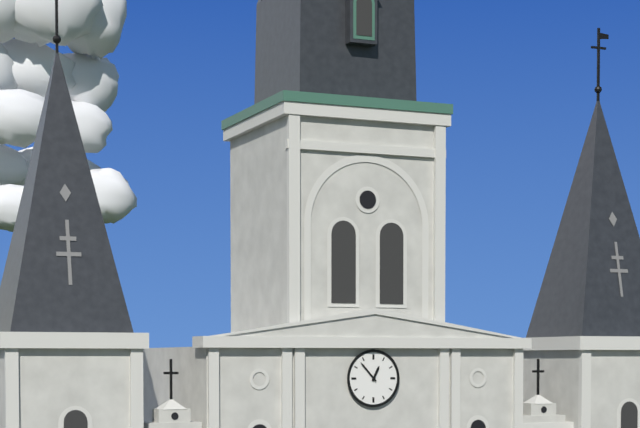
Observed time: 12:53
